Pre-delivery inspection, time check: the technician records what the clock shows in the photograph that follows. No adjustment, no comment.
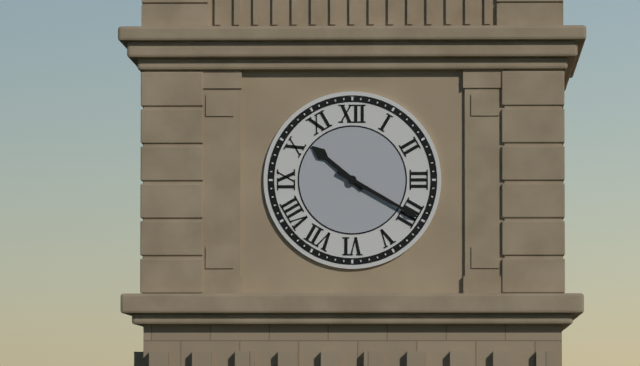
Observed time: 10:20
